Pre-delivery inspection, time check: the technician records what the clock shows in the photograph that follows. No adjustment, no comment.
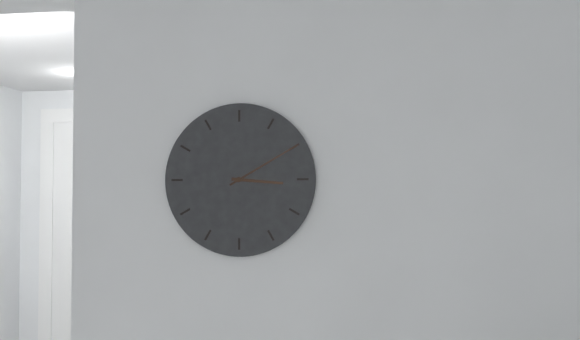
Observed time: 3:10
